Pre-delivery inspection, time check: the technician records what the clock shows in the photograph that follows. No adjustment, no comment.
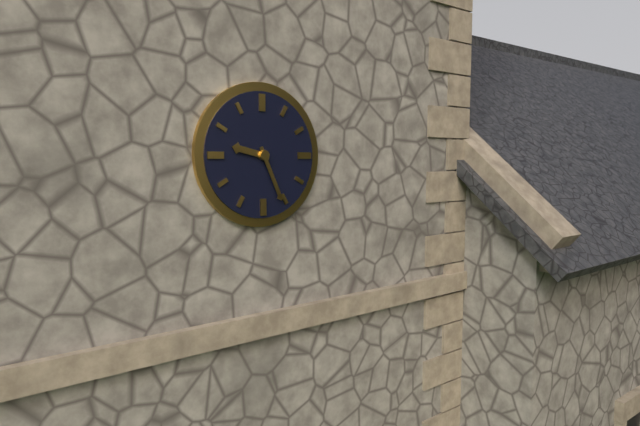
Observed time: 9:26
